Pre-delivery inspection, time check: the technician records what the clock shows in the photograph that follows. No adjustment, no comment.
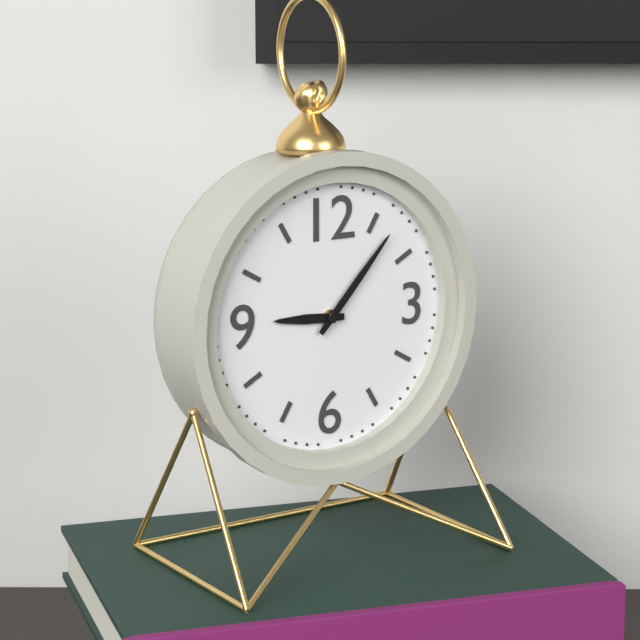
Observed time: 9:07
